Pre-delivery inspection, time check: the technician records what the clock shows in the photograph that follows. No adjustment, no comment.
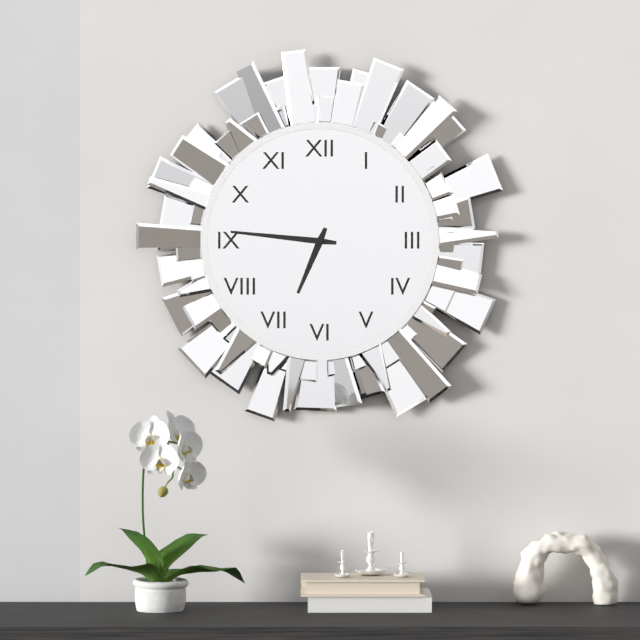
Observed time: 6:46
